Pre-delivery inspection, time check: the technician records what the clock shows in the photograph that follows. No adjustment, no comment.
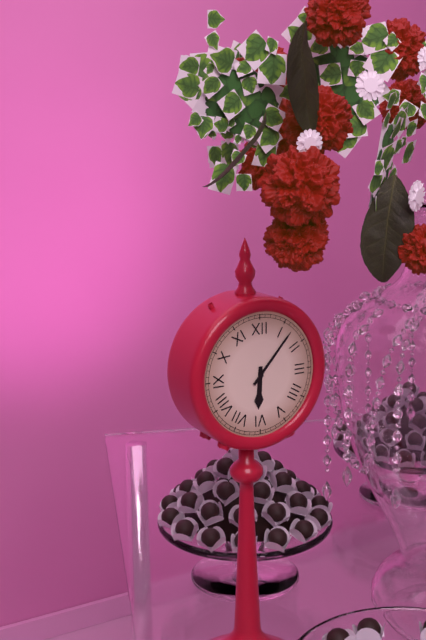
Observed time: 6:07
